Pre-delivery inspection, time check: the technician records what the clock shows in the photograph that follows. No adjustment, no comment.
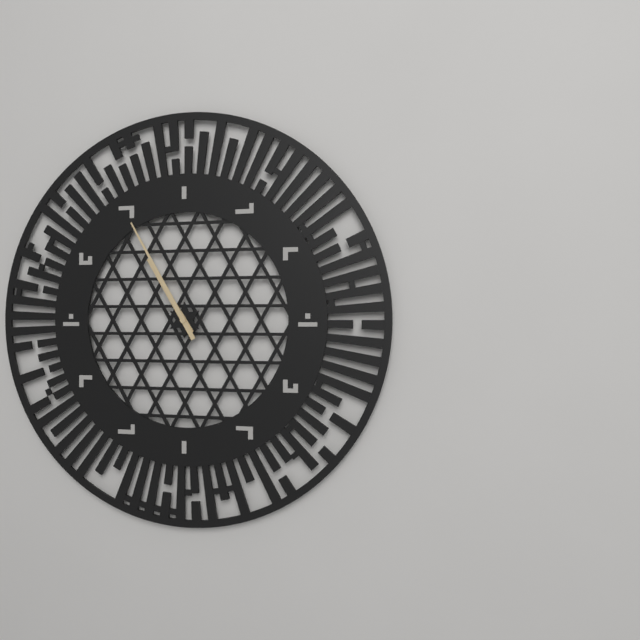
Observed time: 10:55
